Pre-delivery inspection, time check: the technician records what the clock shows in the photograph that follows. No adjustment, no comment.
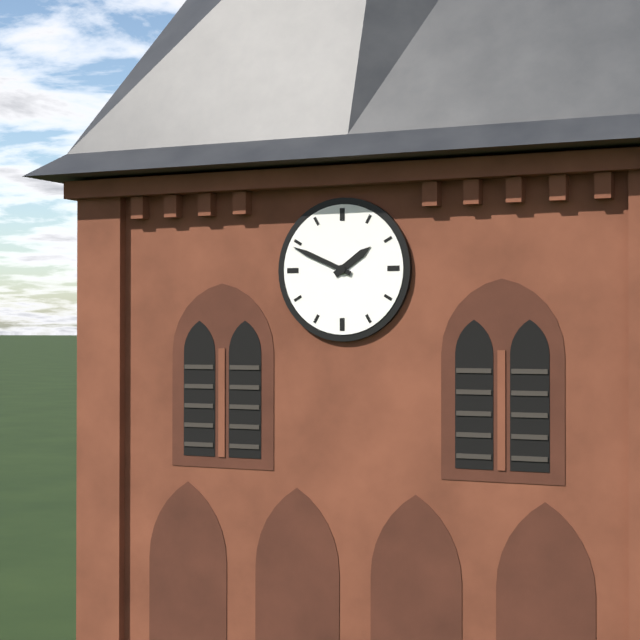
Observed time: 1:49
